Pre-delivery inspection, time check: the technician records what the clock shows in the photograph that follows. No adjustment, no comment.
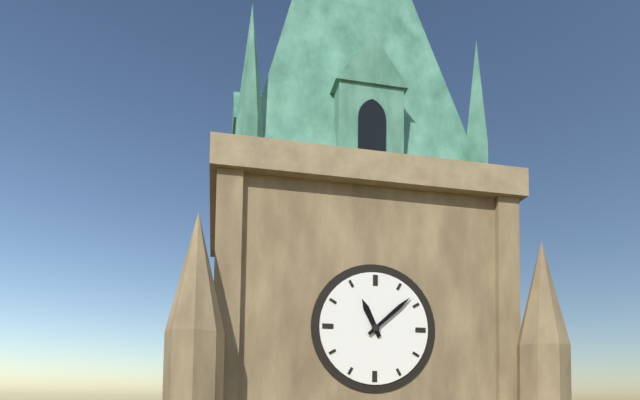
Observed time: 11:08
